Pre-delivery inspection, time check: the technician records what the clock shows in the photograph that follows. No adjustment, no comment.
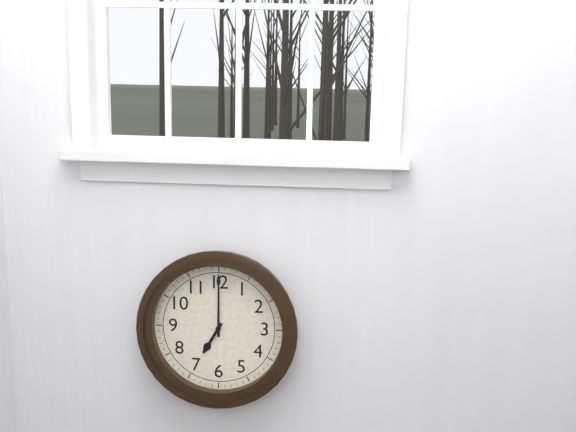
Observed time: 7:00
